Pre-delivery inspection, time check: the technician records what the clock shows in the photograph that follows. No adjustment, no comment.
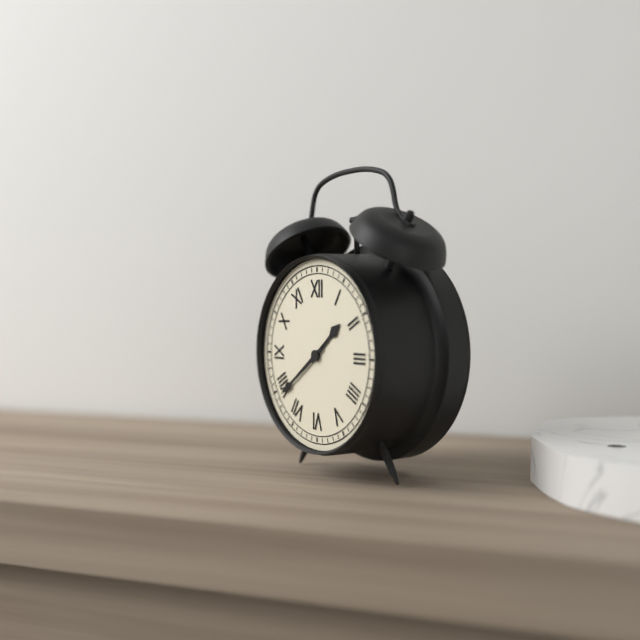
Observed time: 1:39
